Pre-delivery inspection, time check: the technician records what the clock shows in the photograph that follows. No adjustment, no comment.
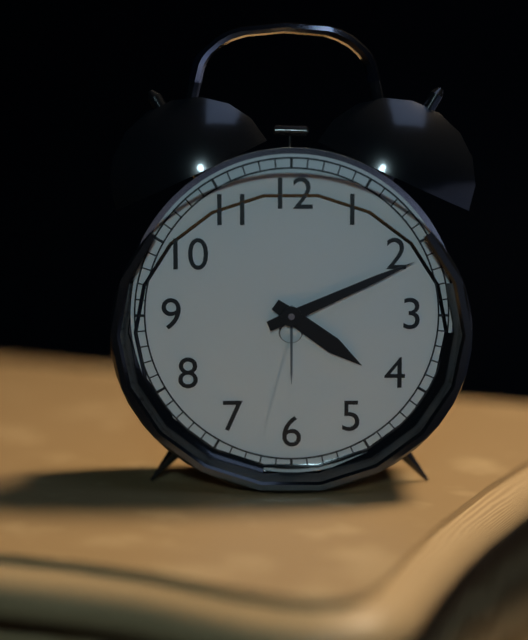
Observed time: 4:11
